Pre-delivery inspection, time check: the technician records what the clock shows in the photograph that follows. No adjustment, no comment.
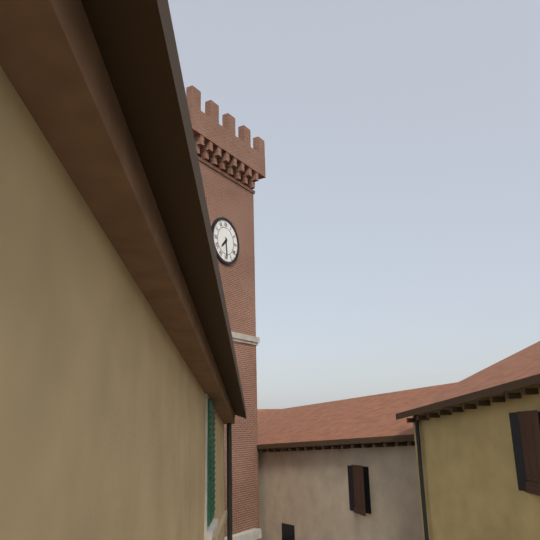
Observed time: 7:29
